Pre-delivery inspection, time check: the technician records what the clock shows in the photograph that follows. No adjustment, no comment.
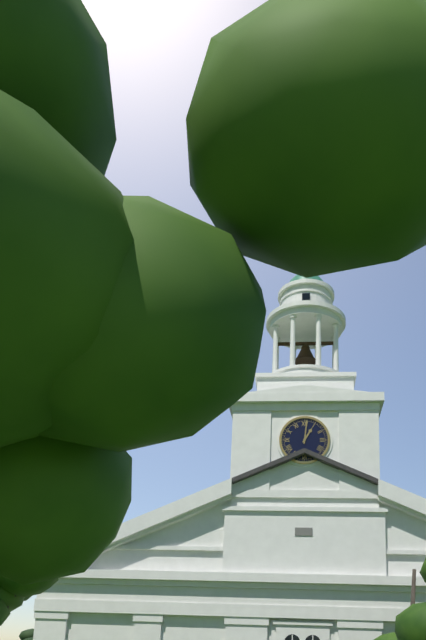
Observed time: 1:01
